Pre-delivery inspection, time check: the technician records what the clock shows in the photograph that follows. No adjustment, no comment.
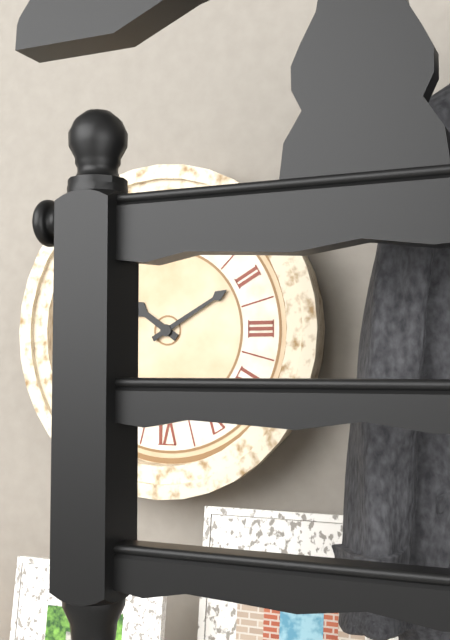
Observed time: 10:10
